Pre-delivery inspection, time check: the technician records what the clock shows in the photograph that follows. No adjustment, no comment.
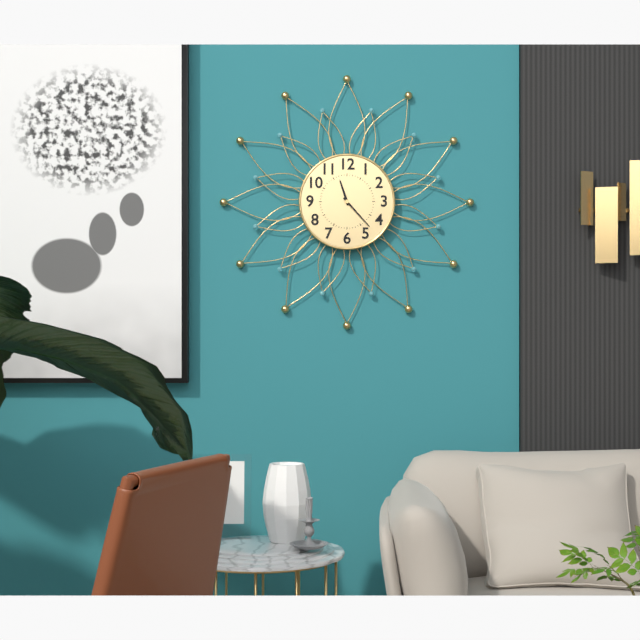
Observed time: 11:23
